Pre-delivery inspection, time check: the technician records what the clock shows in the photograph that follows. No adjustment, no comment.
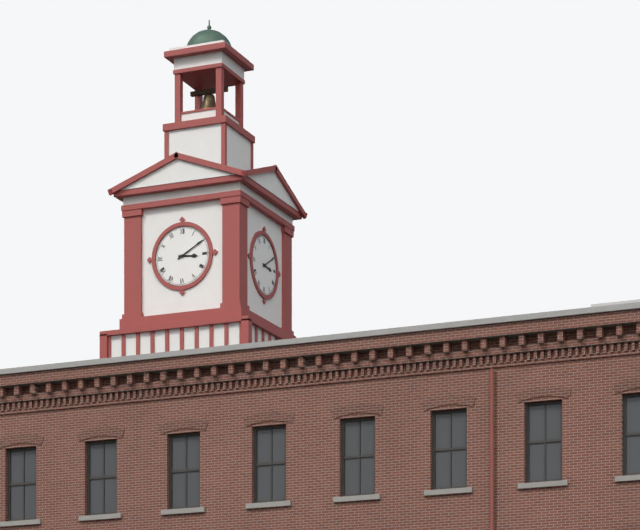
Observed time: 3:10
